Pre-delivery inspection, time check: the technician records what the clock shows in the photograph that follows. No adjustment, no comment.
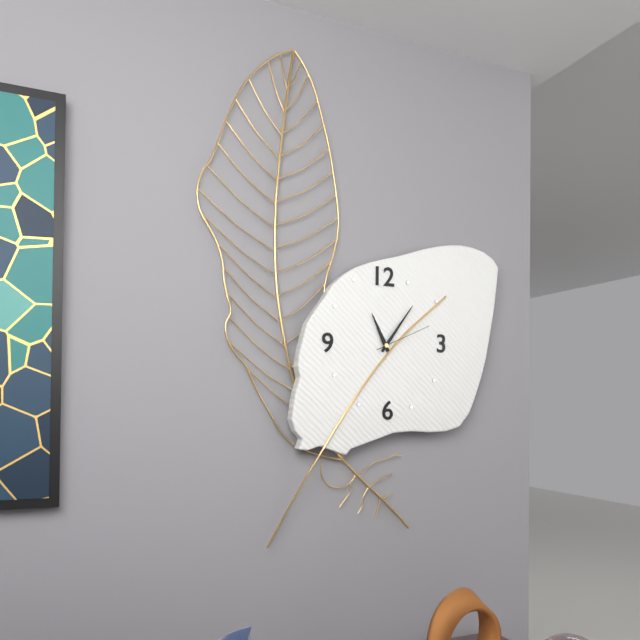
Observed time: 11:06:11
